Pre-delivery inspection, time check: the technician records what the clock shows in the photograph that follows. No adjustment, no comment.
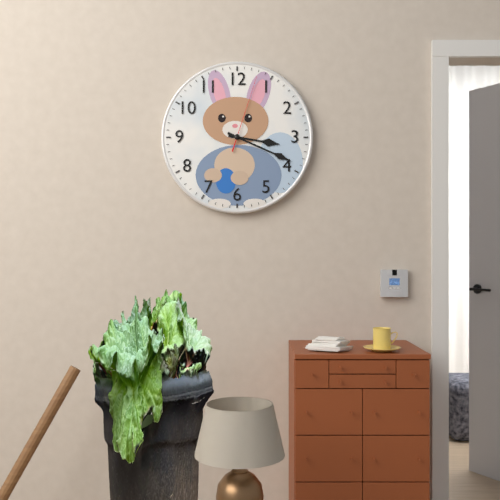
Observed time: 3:19:03
